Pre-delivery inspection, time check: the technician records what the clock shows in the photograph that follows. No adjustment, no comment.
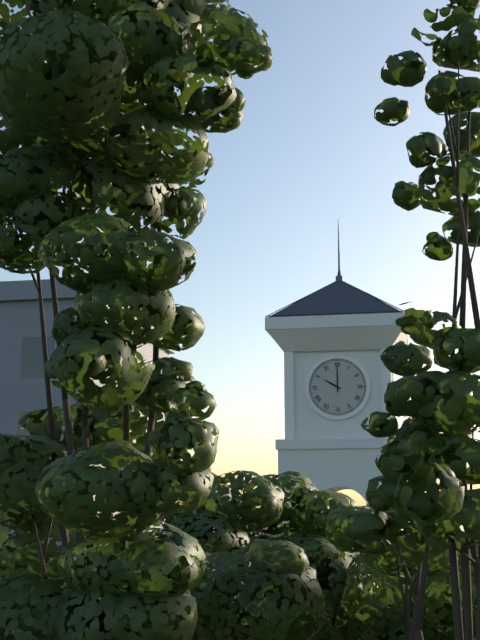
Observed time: 10:00
